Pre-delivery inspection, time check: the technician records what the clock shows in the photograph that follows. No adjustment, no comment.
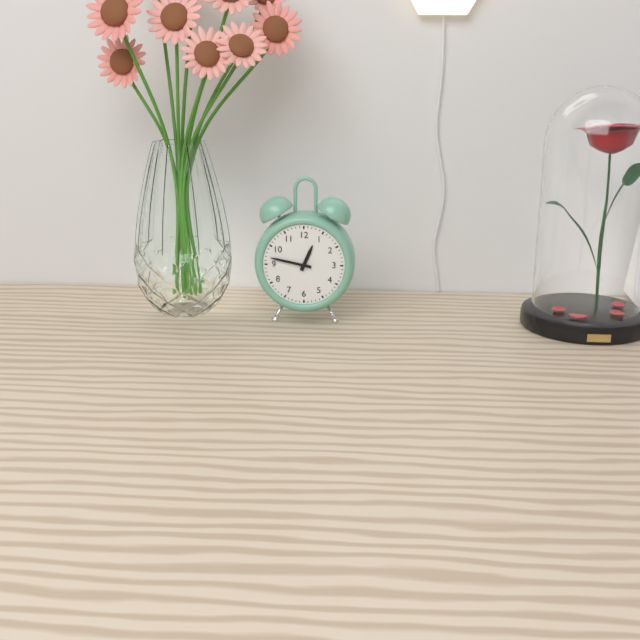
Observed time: 12:47
